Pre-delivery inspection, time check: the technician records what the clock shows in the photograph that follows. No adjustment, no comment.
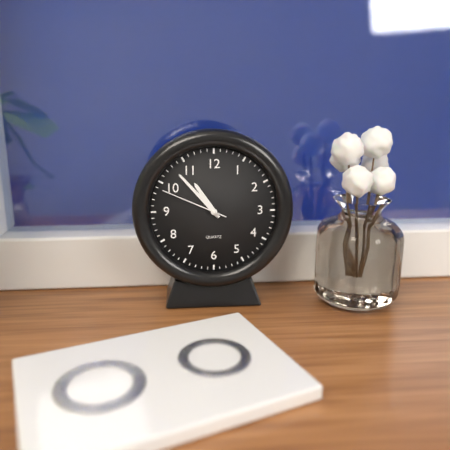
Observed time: 10:53:49
